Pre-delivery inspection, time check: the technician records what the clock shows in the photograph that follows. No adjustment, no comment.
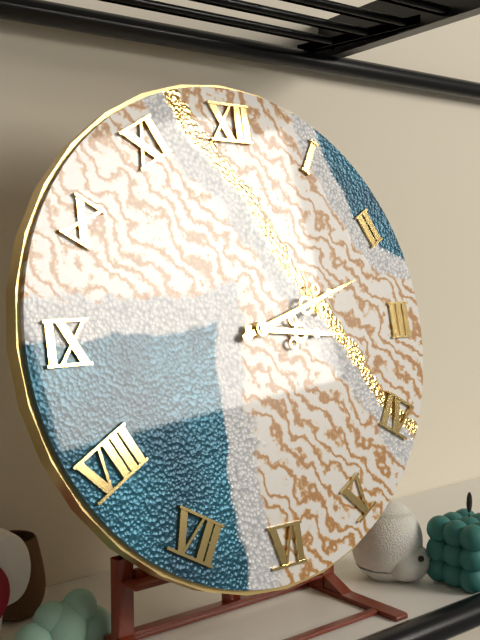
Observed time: 3:12
